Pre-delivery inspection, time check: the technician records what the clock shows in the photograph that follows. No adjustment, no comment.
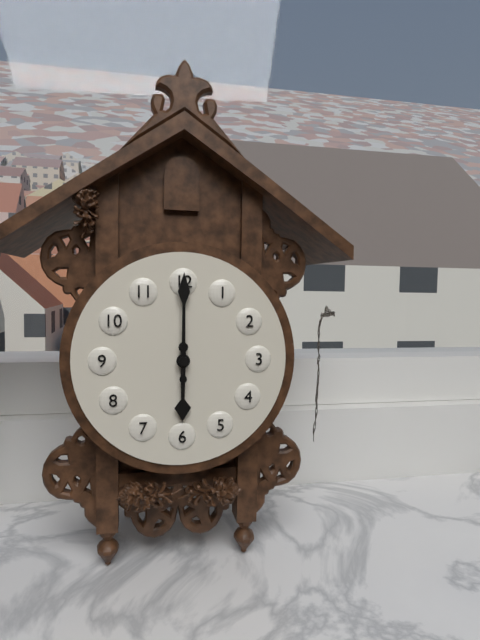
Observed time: 6:00
